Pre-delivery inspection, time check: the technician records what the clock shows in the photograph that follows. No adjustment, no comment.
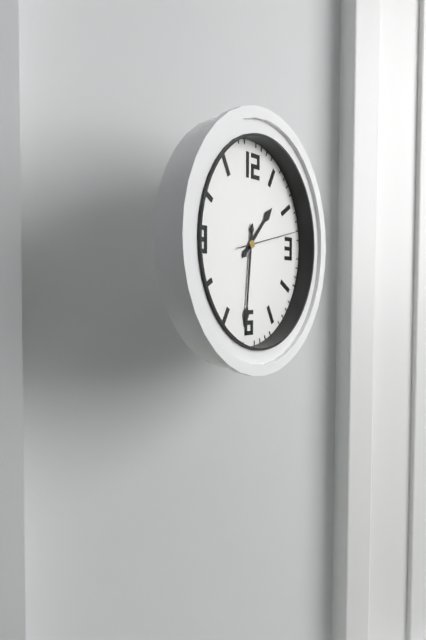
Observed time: 1:31:13
